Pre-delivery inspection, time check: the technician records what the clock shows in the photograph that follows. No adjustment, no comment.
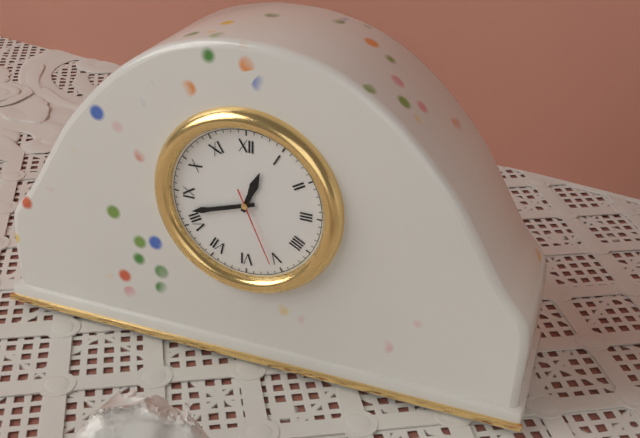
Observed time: 12:42:26
